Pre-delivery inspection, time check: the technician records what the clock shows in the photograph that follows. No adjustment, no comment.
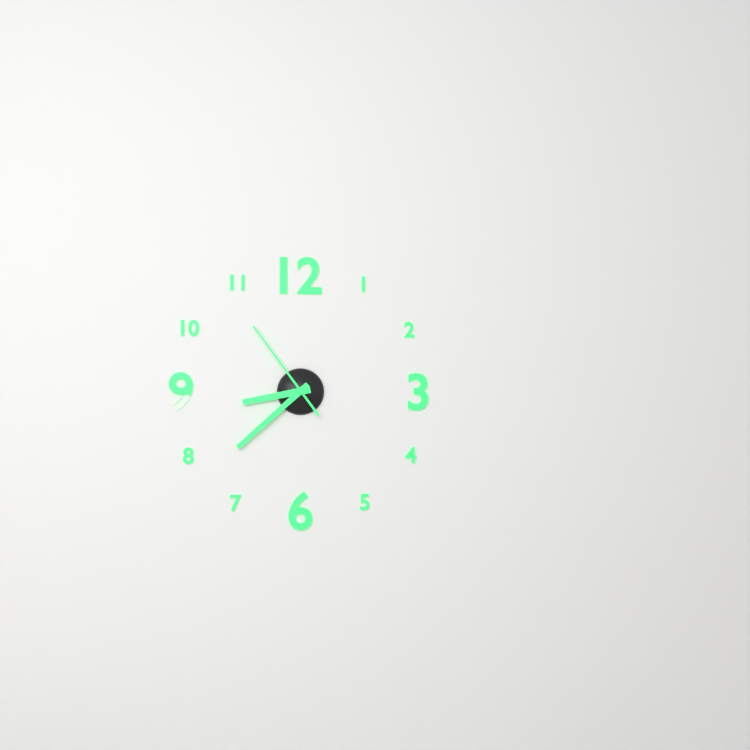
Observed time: 8:38:54
